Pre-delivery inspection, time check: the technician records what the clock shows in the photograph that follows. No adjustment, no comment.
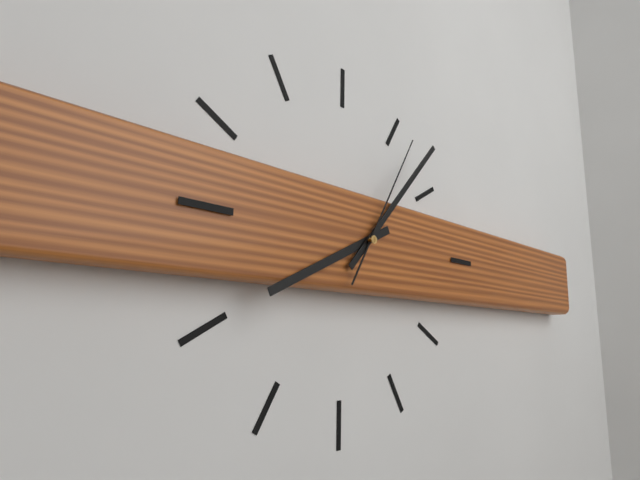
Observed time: 8:07:05
